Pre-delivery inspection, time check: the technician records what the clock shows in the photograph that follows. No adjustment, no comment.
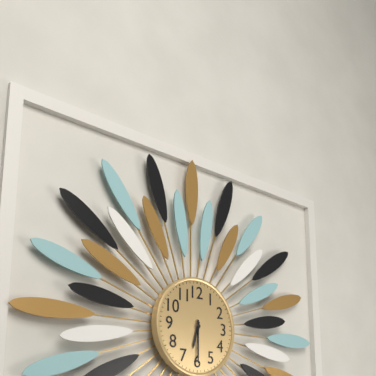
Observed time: 6:30
